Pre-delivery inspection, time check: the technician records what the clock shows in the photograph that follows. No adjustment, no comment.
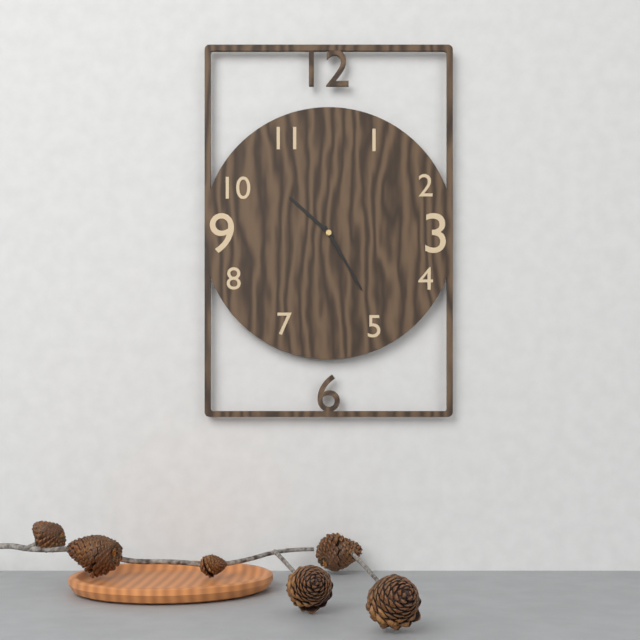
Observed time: 10:25
